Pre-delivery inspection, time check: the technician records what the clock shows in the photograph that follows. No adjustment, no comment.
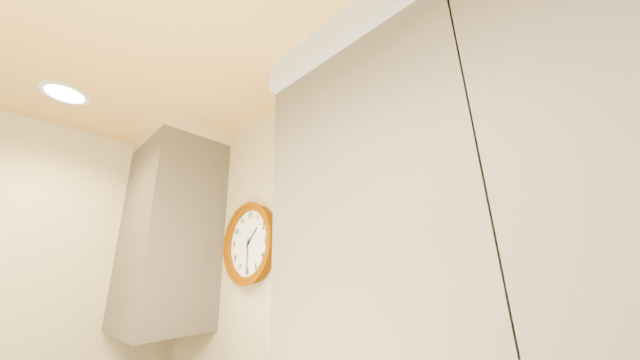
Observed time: 1:30
